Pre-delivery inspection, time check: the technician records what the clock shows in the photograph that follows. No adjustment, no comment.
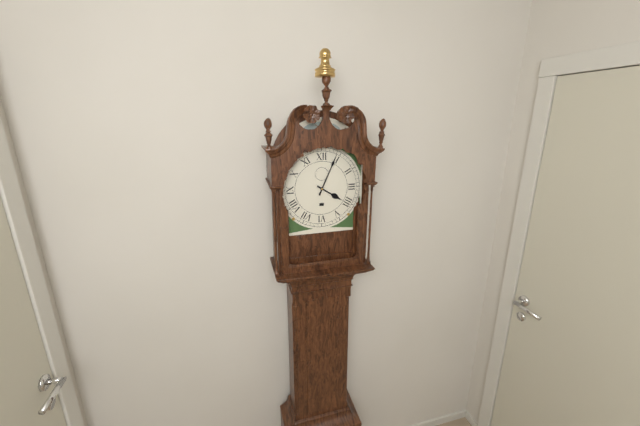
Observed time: 4:04
